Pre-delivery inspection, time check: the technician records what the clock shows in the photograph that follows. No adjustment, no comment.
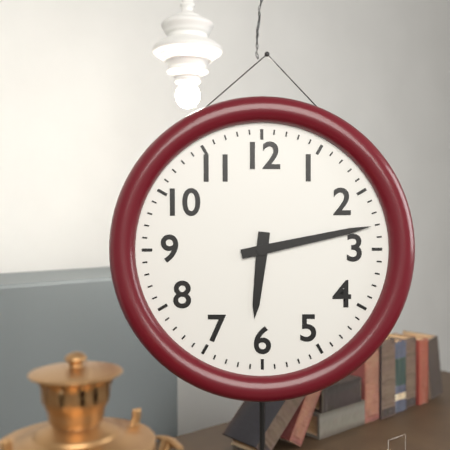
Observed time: 6:13
